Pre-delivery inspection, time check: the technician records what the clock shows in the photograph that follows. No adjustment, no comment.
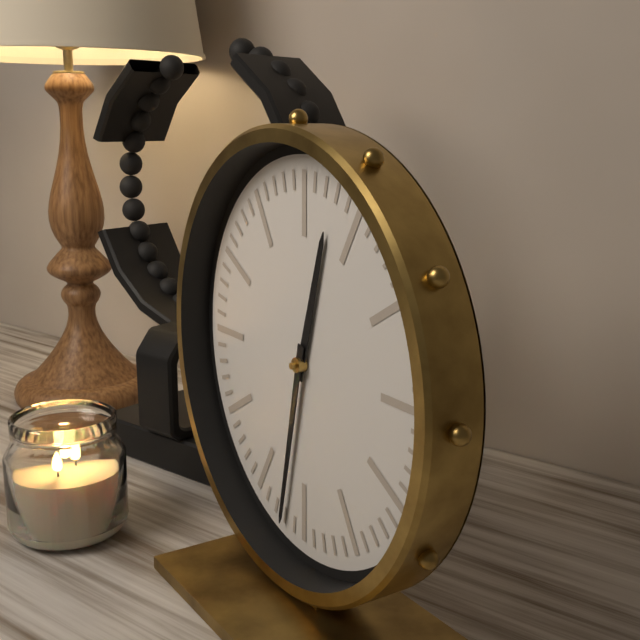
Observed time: 12:32
